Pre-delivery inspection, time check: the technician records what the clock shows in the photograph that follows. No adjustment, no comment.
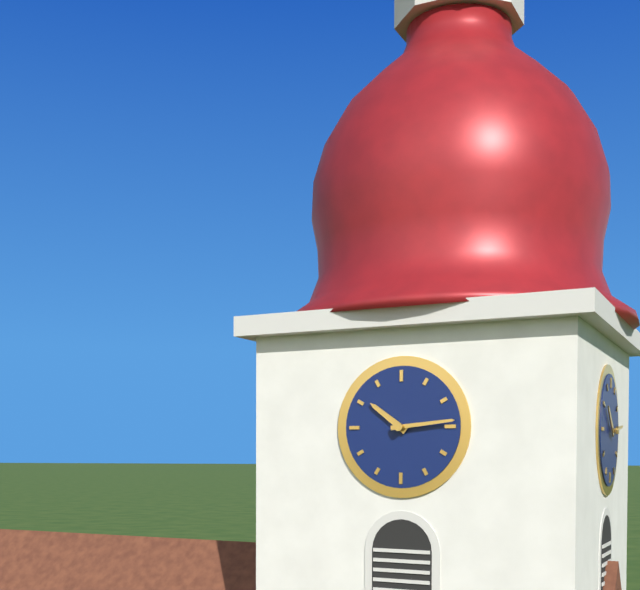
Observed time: 10:14
